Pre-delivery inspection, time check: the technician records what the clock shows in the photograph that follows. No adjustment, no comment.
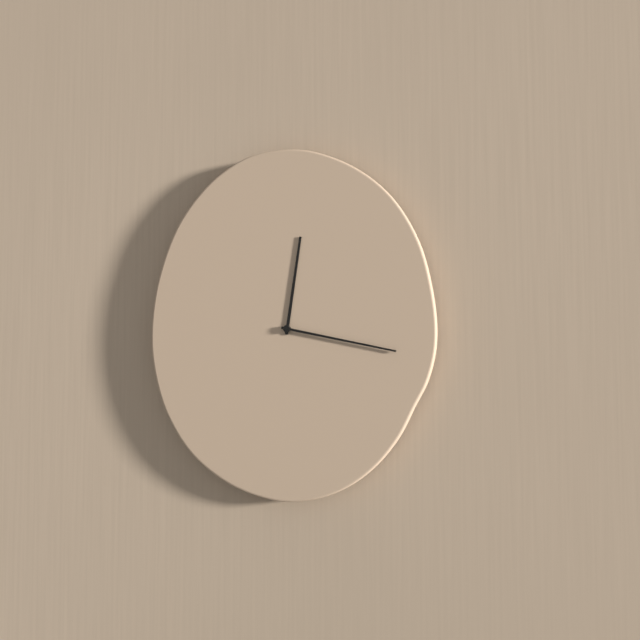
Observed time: 12:17
